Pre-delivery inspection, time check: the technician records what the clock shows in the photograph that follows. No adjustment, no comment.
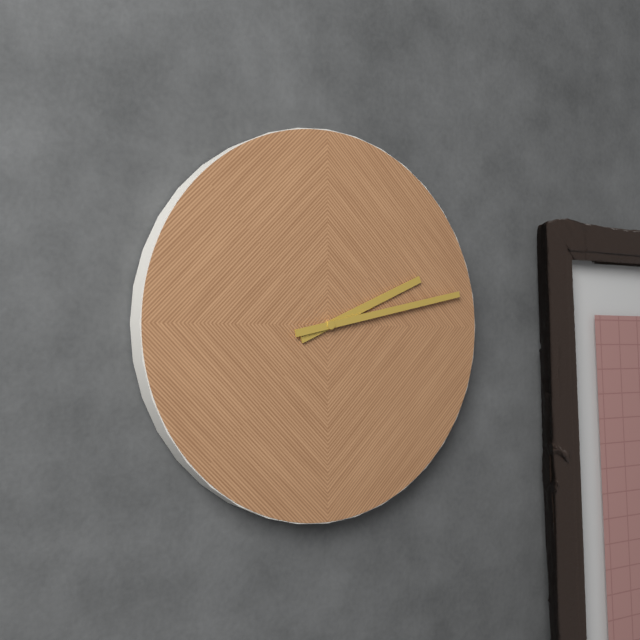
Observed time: 2:13
